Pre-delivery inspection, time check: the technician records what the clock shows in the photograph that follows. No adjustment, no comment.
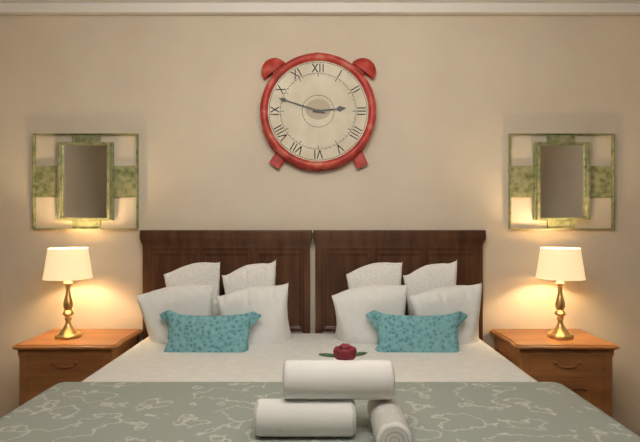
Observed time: 2:48
